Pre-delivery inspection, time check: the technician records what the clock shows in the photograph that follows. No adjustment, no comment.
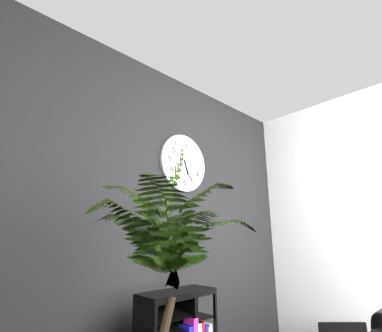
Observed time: 5:26
